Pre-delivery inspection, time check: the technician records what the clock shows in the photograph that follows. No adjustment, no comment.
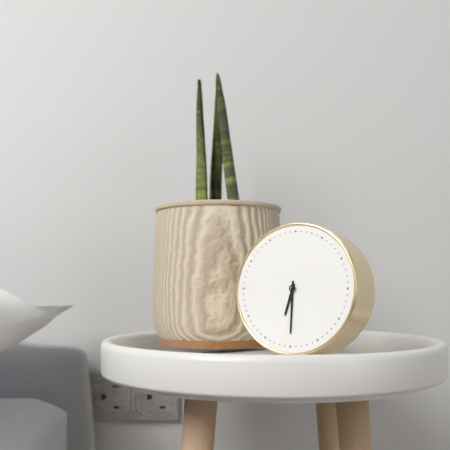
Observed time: 6:30
